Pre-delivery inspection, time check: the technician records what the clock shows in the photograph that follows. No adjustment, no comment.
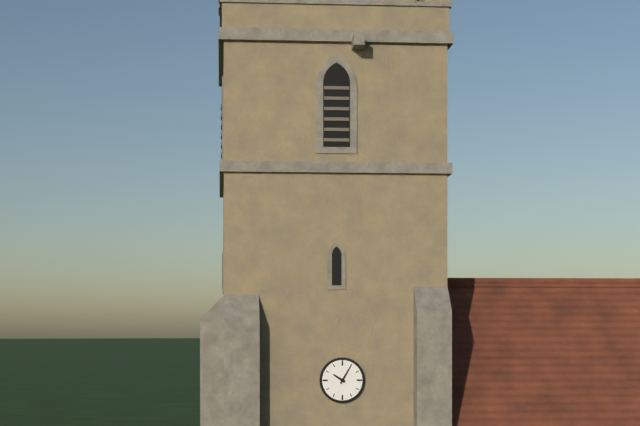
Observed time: 10:05
